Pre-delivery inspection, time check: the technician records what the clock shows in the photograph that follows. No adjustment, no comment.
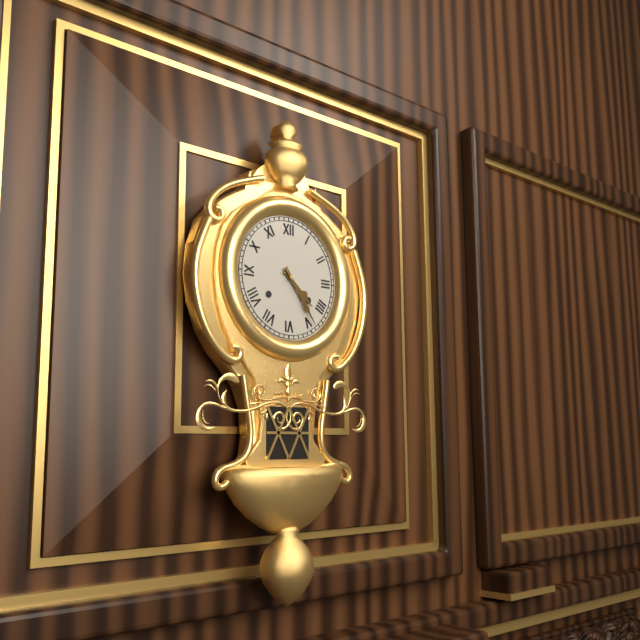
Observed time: 4:24
